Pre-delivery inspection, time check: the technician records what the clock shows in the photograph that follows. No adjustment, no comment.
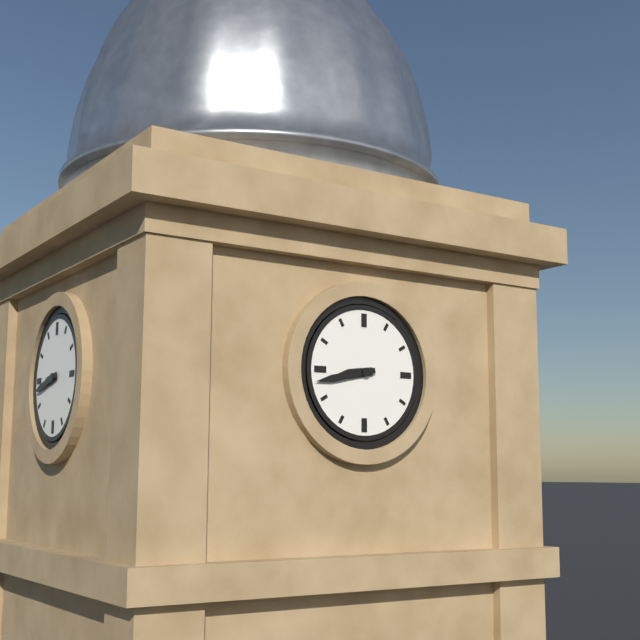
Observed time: 8:43
